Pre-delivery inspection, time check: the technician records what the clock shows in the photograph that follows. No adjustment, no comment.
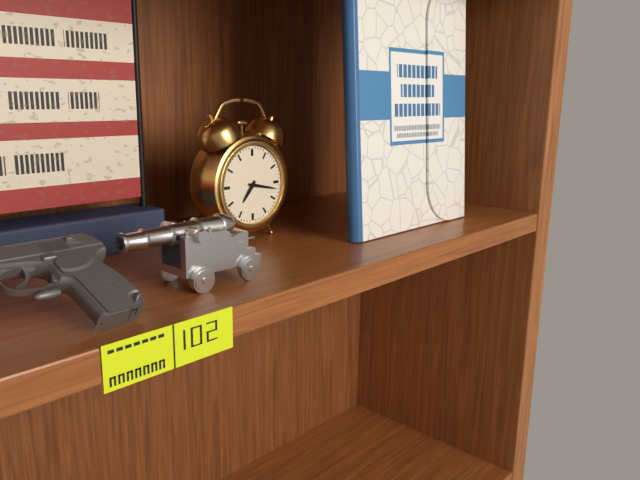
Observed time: 7:17
